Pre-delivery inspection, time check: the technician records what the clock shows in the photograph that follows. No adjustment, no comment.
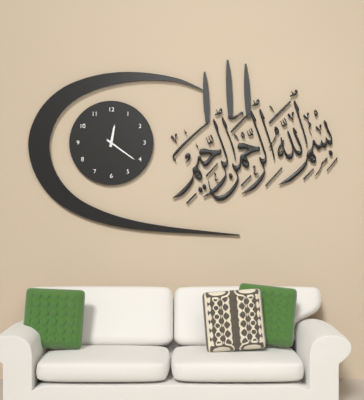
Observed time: 12:21
